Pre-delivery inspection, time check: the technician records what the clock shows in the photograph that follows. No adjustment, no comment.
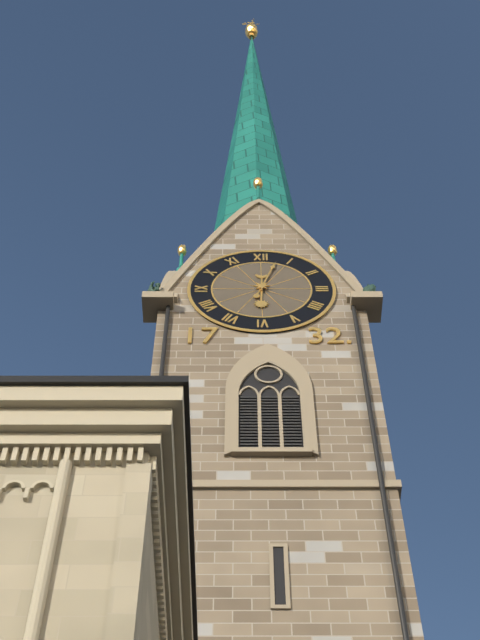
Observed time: 6:03
